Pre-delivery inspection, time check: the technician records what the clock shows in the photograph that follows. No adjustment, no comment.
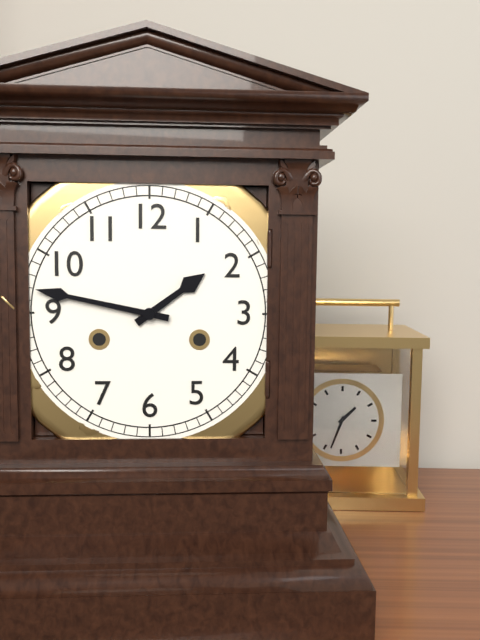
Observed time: 1:47
